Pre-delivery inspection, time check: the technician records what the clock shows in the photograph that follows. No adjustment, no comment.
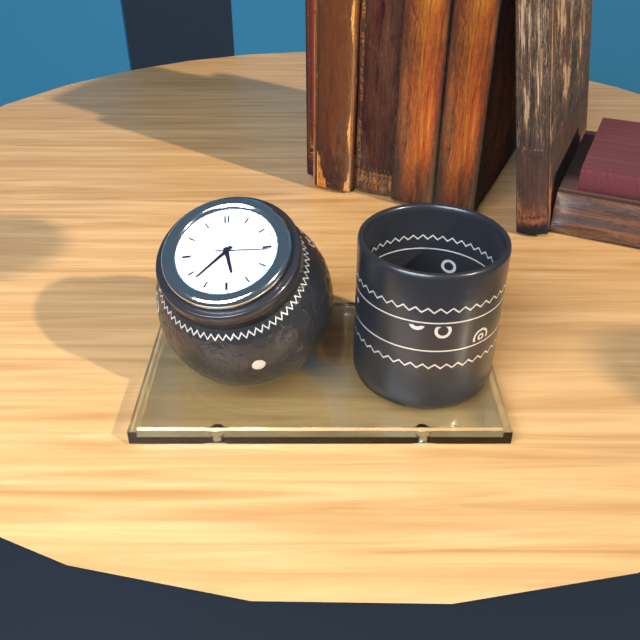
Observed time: 5:38:16
